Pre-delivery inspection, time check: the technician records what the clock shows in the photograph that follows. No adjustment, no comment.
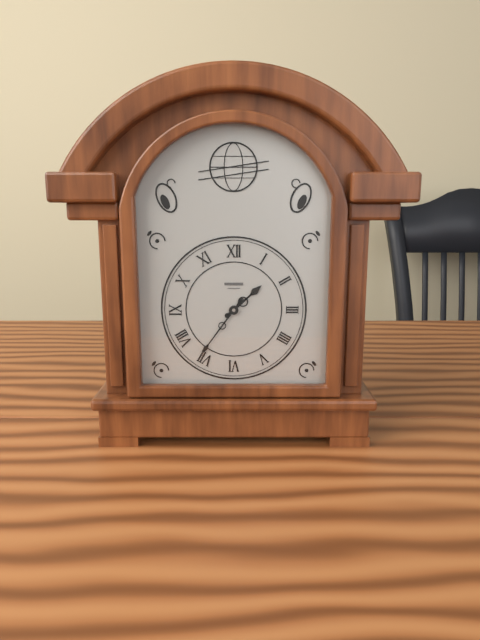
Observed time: 1:36
